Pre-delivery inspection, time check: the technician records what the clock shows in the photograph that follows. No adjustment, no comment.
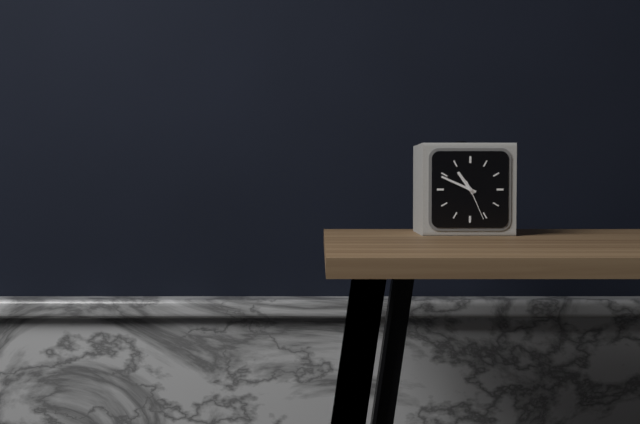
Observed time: 10:49
